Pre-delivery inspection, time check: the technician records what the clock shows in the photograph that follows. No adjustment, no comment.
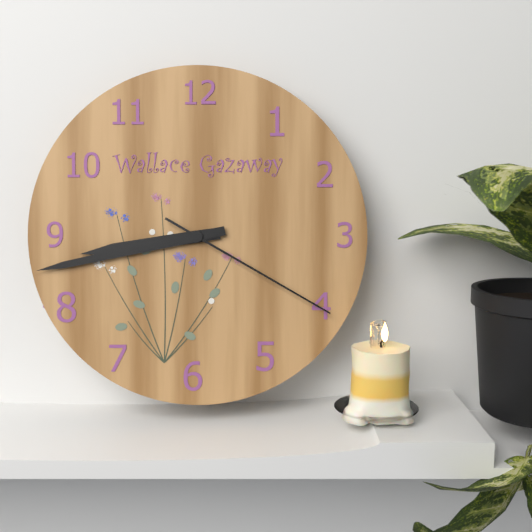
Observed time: 8:43:20
